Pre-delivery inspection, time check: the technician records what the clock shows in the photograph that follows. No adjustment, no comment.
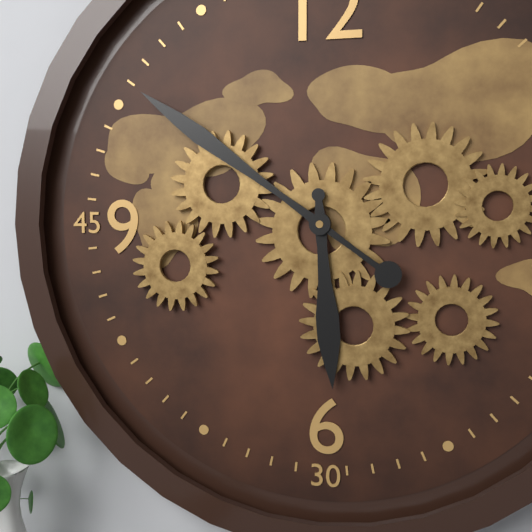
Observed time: 5:51
